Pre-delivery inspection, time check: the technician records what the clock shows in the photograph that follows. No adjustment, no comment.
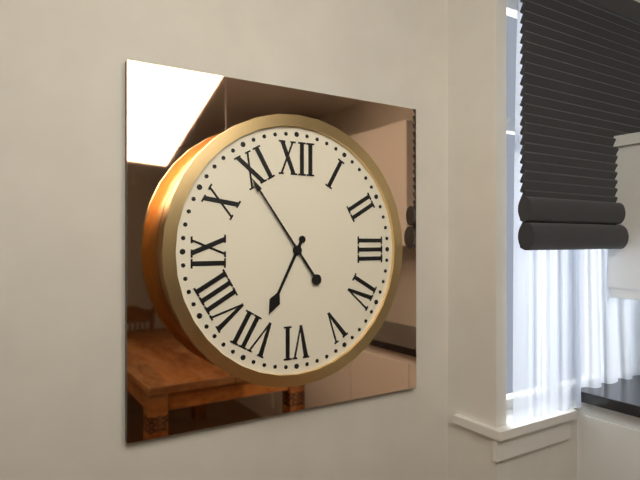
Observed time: 6:54
